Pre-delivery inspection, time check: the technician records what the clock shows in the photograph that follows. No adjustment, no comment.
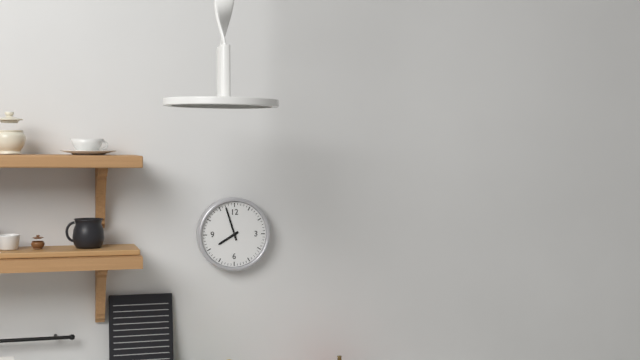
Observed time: 7:57
